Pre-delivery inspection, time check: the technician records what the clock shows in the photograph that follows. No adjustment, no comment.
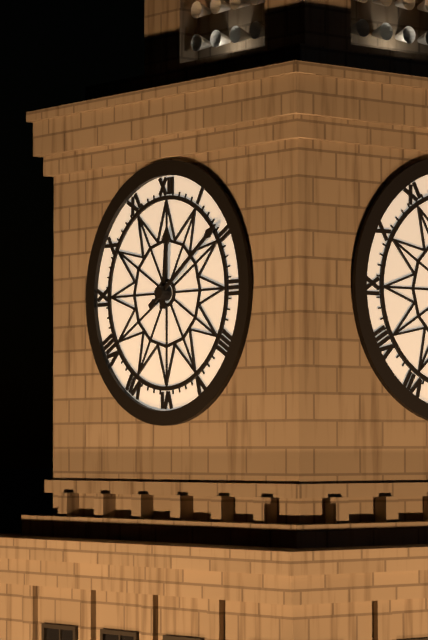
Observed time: 12:09
